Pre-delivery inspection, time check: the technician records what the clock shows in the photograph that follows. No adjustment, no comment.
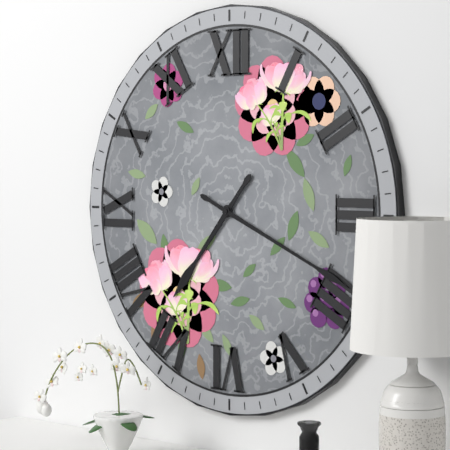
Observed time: 7:19
